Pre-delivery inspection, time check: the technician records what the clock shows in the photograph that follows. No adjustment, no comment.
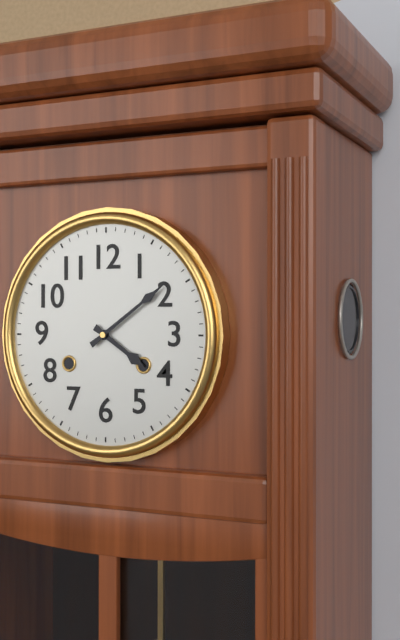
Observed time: 4:09
